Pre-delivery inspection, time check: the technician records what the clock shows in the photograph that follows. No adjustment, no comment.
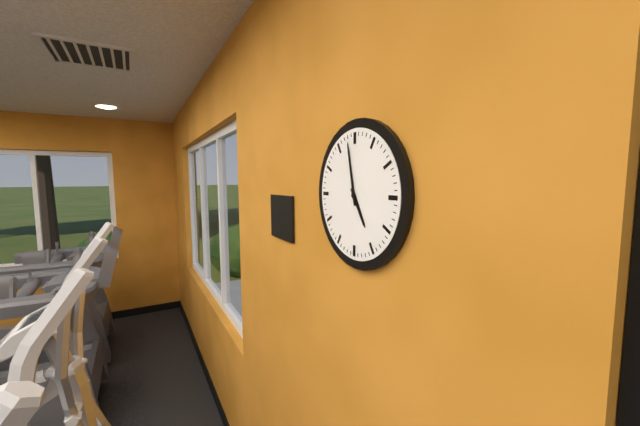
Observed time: 4:58
